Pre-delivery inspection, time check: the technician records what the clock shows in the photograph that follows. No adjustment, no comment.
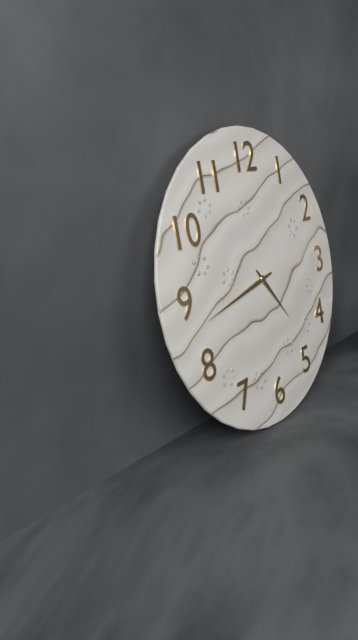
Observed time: 4:43
